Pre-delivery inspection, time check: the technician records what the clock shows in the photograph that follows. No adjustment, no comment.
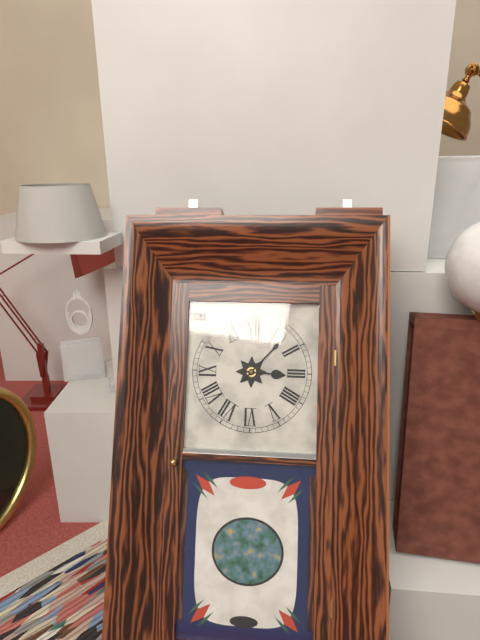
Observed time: 3:07
